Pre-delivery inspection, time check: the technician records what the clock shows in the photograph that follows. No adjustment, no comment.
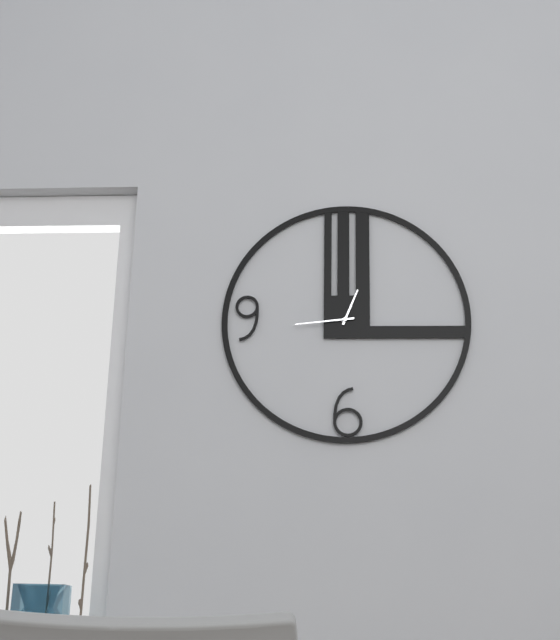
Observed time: 12:44
